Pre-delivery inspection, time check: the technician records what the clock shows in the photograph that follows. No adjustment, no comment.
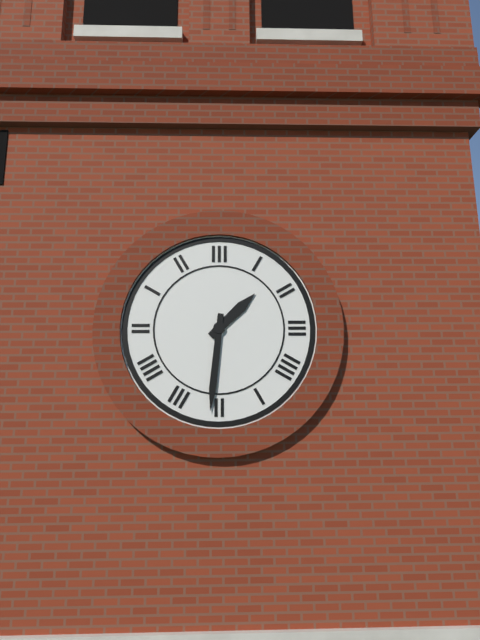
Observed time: 1:31
